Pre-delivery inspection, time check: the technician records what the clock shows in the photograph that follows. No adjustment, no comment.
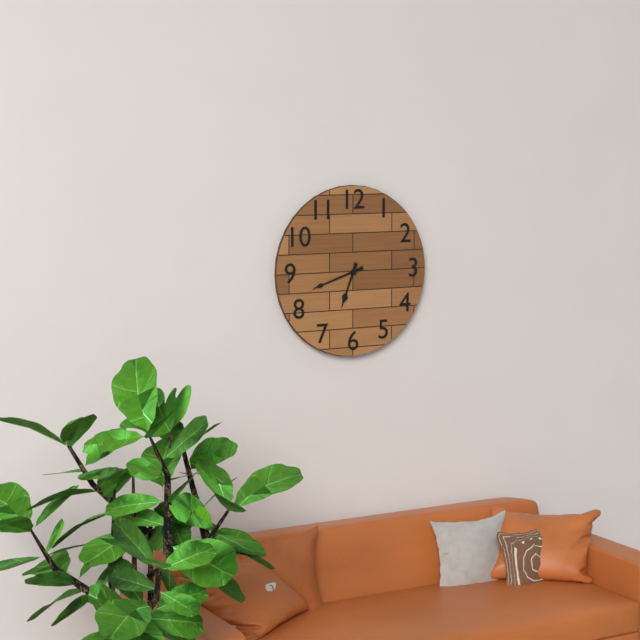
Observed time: 6:42
